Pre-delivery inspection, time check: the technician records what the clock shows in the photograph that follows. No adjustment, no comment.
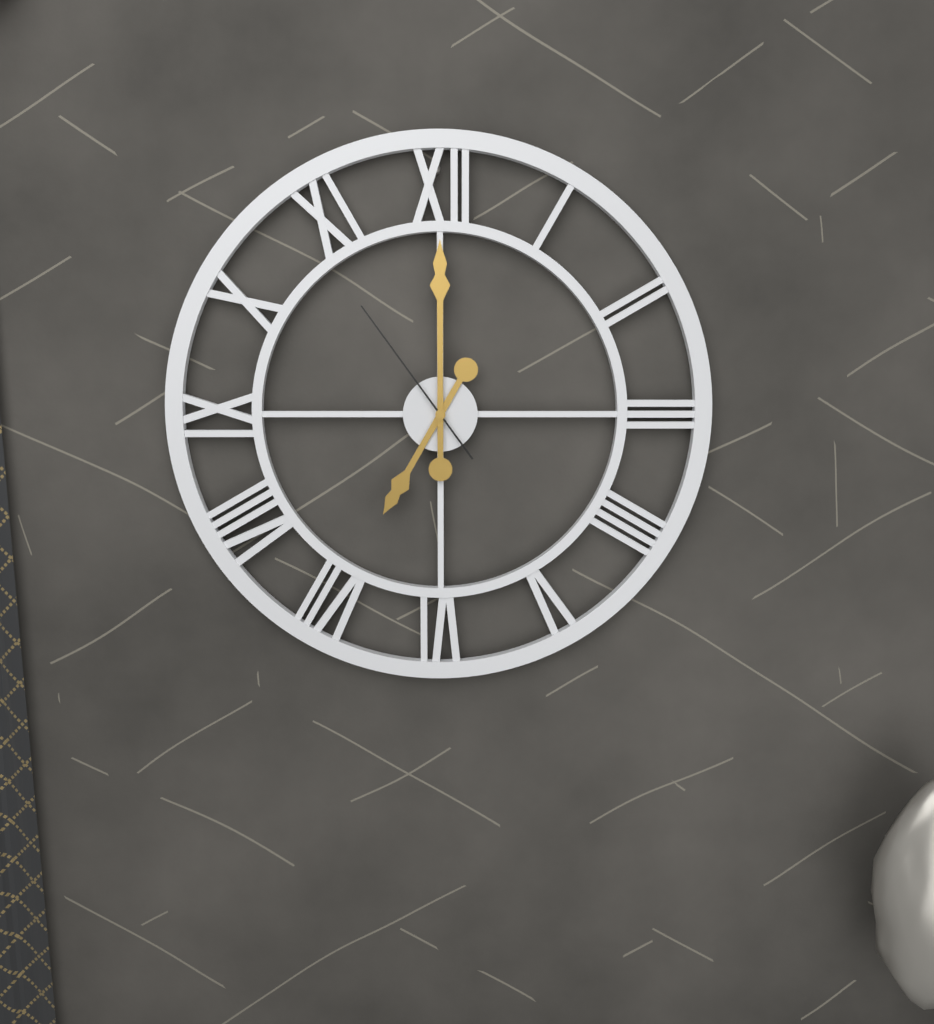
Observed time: 7:00:54
